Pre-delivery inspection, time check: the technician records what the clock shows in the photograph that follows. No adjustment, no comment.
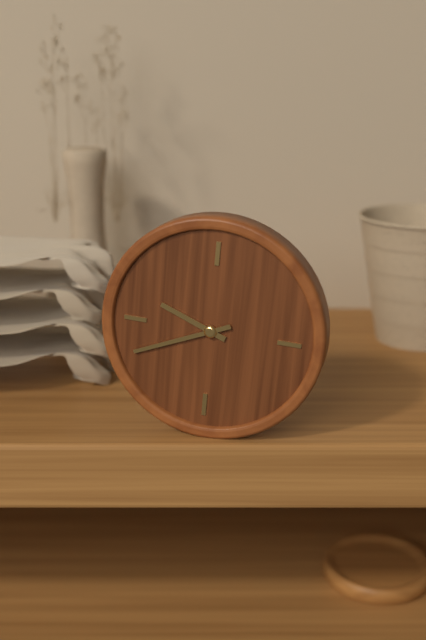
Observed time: 9:41
